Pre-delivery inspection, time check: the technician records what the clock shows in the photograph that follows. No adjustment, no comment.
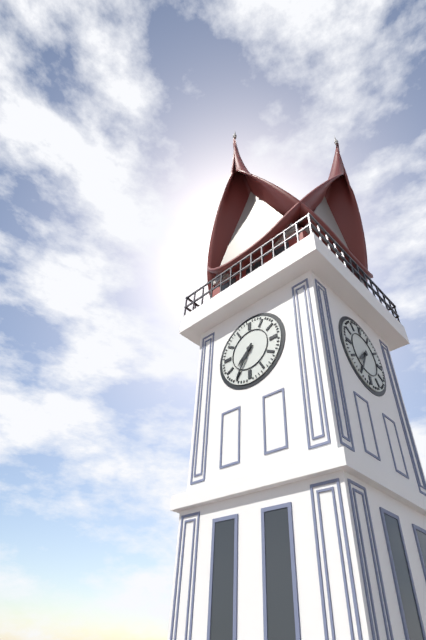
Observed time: 7:35
